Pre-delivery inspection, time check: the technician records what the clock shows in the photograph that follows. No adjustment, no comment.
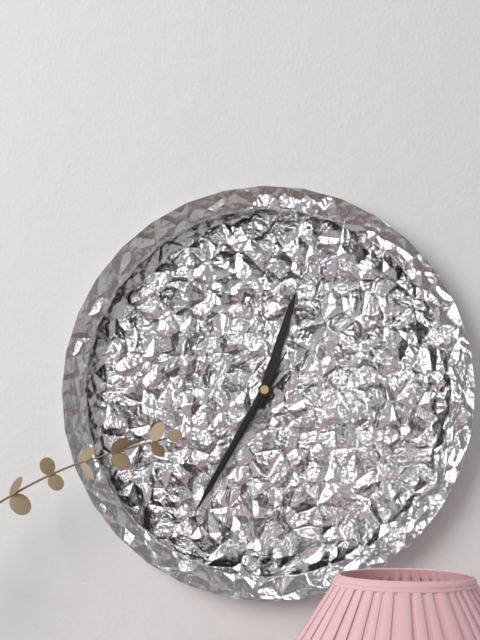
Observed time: 12:35:35
